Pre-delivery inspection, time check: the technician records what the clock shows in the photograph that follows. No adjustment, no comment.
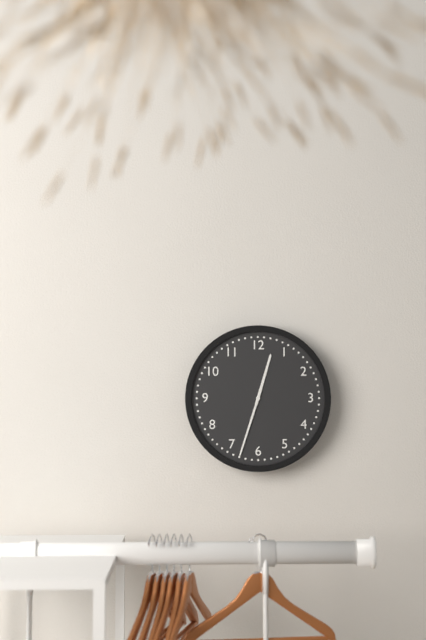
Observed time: 12:33
